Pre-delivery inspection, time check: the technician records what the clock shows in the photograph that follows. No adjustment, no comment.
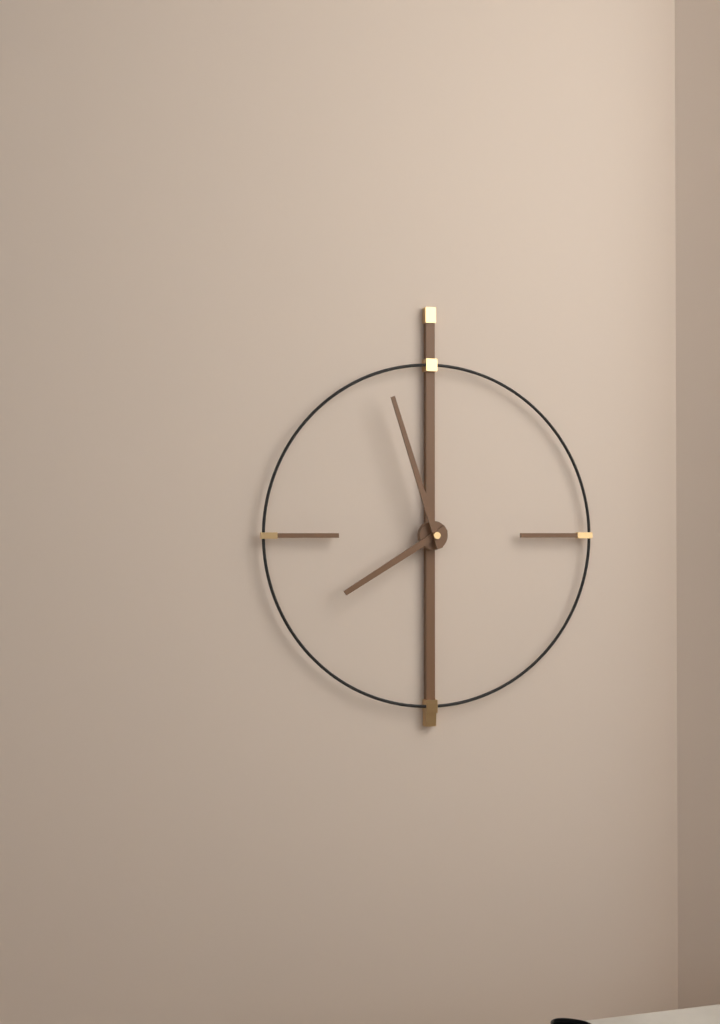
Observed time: 7:57
